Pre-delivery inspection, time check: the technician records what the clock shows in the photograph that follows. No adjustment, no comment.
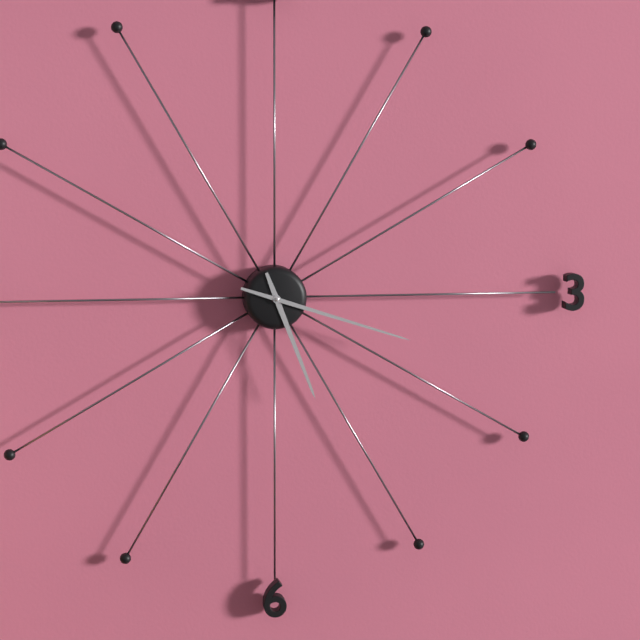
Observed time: 5:18
